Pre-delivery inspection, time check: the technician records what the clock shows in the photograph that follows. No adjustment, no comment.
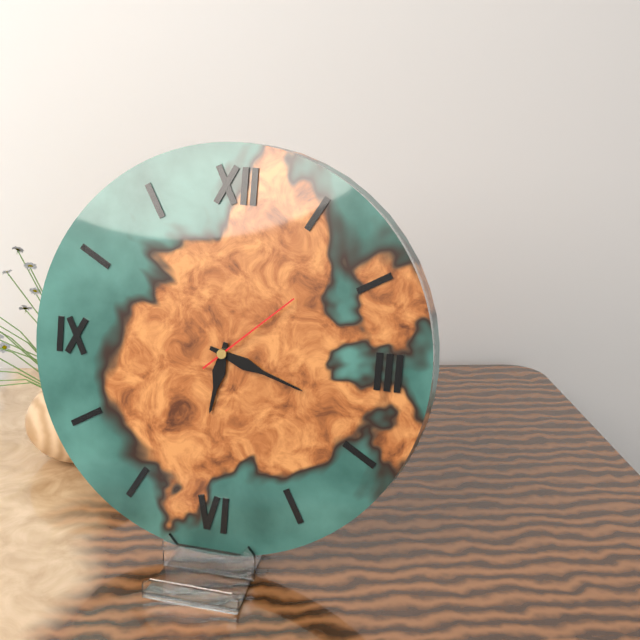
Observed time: 6:18:08
